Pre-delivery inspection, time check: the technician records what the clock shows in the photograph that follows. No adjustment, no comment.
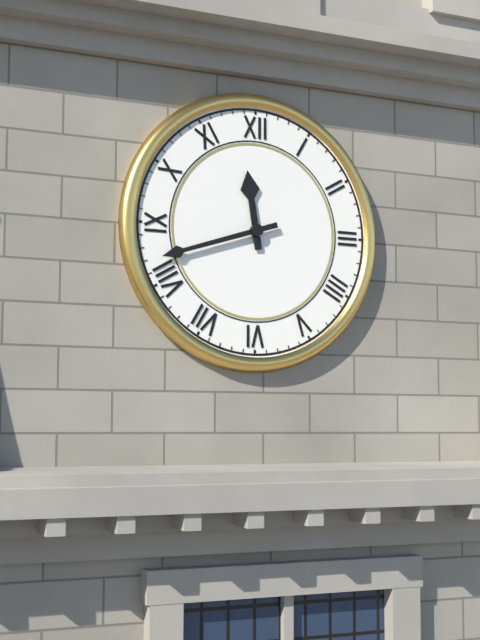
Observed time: 11:42
